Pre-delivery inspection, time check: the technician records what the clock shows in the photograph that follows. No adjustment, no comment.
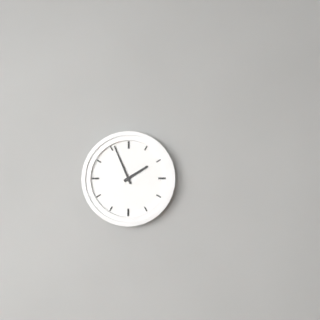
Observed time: 1:56
